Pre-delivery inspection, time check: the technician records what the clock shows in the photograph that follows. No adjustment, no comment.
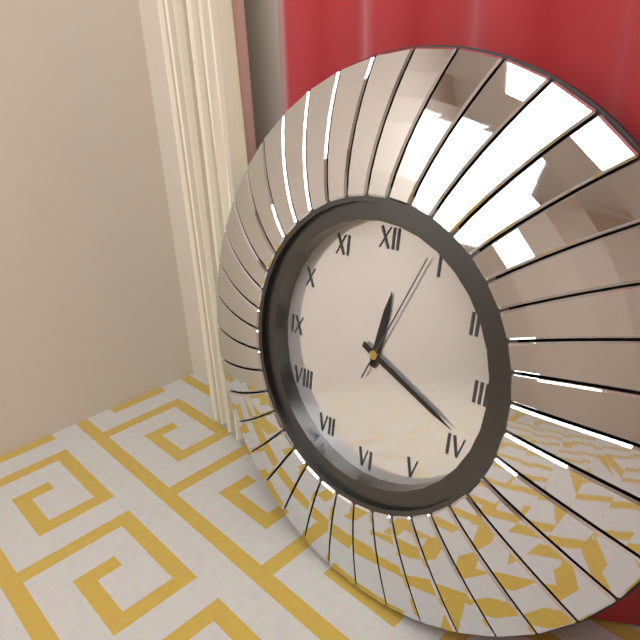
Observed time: 12:19:04
